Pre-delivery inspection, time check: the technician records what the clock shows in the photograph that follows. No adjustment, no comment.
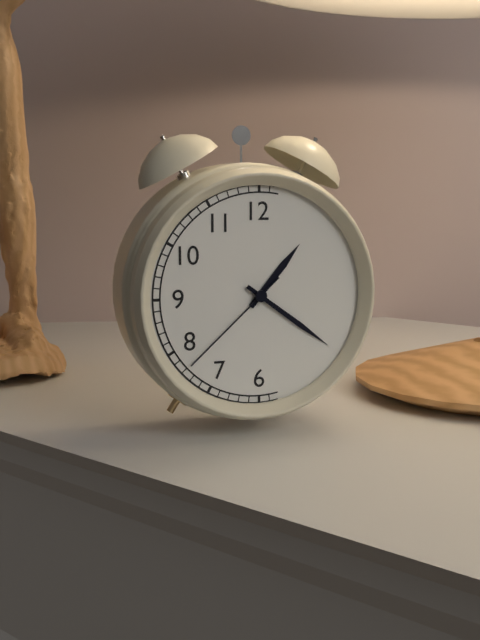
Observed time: 1:21:38
